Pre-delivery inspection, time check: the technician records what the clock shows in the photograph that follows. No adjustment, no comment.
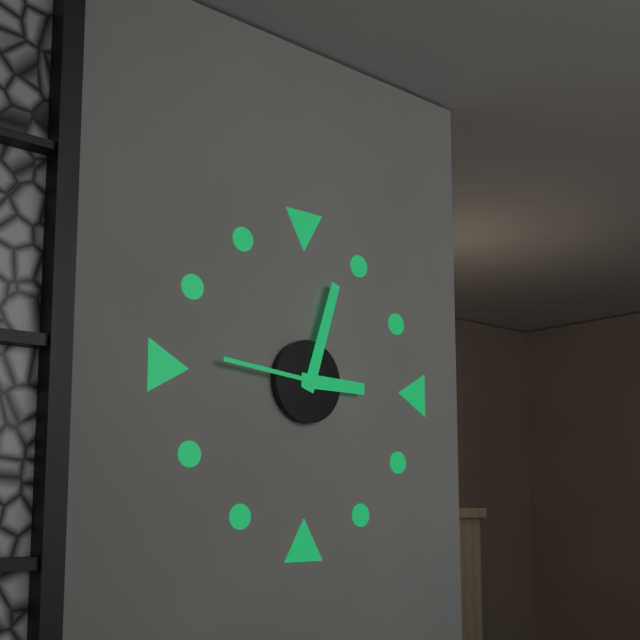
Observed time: 3:03:46
